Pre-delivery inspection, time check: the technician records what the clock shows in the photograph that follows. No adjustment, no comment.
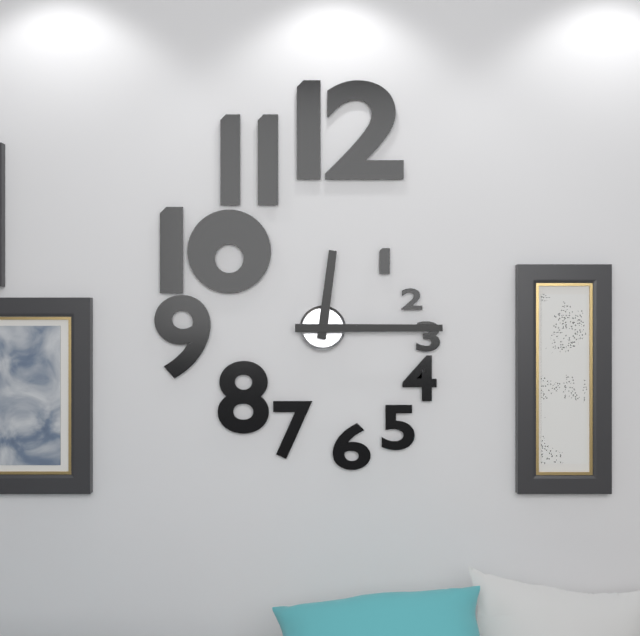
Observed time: 12:15
